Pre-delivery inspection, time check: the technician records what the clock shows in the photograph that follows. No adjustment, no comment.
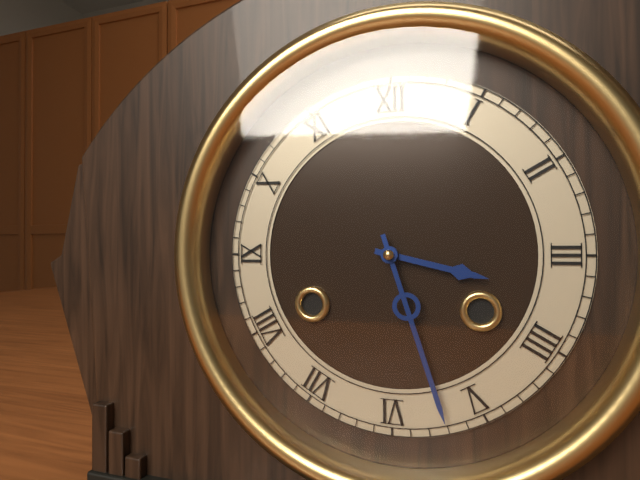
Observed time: 3:27
